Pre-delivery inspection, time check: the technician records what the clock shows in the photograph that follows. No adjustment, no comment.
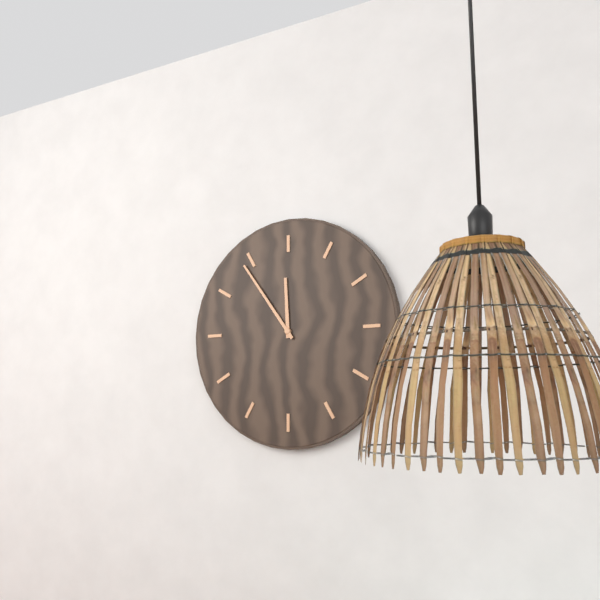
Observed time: 11:54
